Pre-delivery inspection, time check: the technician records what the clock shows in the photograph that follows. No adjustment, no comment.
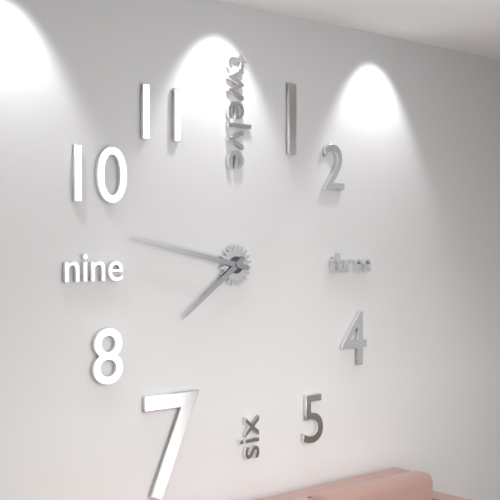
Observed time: 7:47
